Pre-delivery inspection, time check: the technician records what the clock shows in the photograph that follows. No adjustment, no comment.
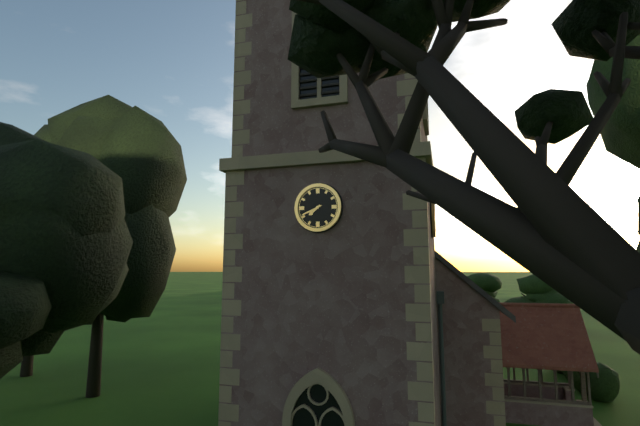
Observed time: 7:41
